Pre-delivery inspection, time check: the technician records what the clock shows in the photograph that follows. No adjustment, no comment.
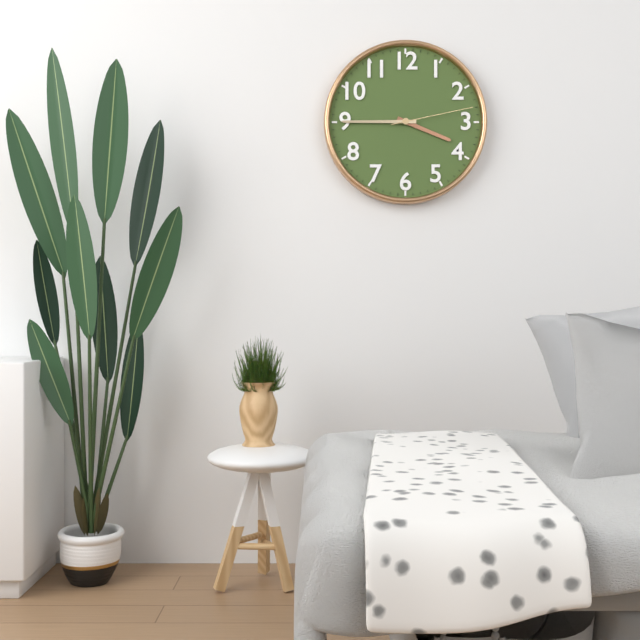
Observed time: 3:45:13
